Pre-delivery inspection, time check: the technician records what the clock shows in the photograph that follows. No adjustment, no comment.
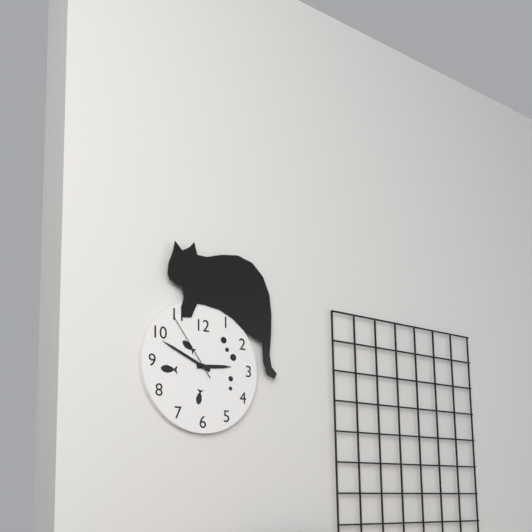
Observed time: 2:49:54
